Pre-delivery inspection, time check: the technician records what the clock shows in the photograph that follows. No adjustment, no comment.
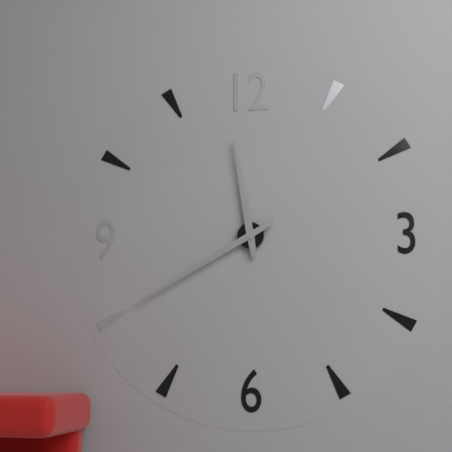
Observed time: 11:40
